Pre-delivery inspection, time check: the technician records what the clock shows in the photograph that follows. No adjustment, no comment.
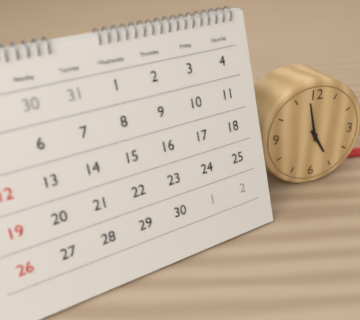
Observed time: 4:58
